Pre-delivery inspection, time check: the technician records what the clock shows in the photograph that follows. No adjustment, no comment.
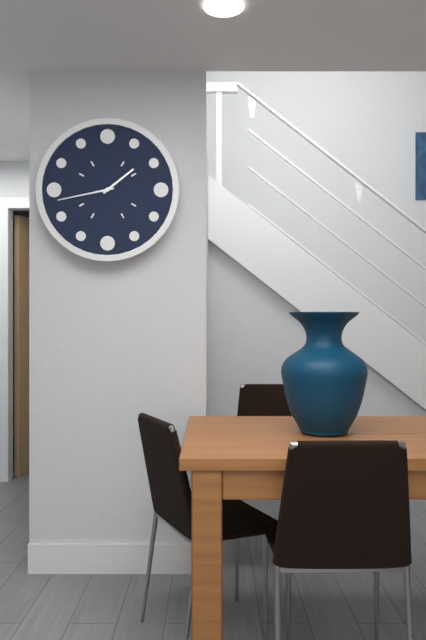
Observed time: 1:43
